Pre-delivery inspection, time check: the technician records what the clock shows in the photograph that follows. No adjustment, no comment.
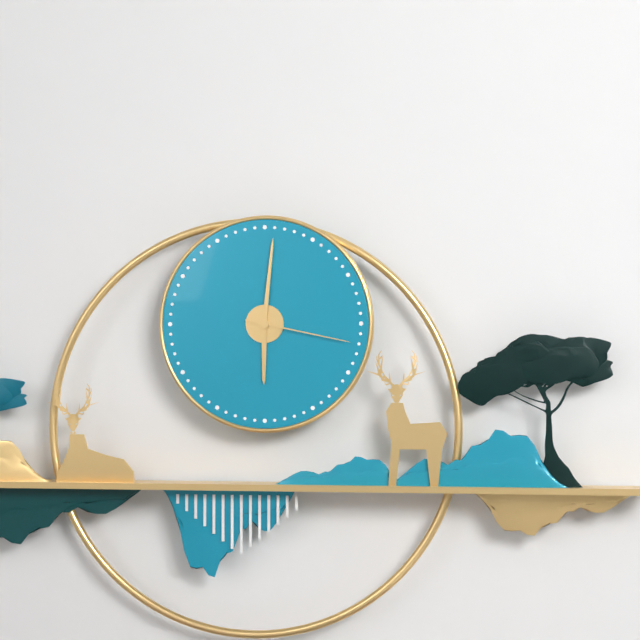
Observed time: 6:01:17
